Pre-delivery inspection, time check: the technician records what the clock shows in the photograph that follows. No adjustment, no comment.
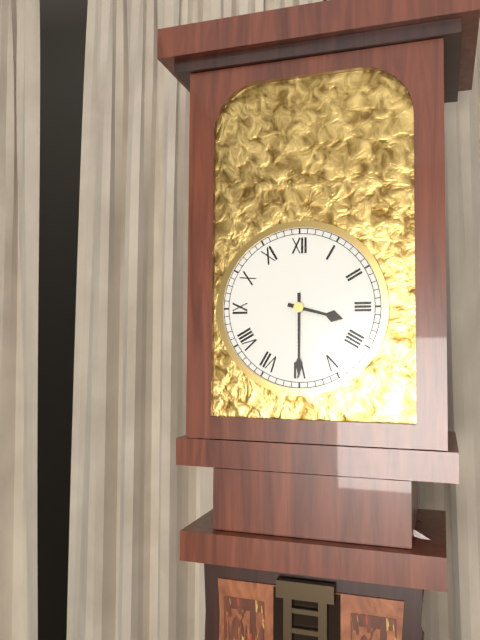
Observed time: 3:30
